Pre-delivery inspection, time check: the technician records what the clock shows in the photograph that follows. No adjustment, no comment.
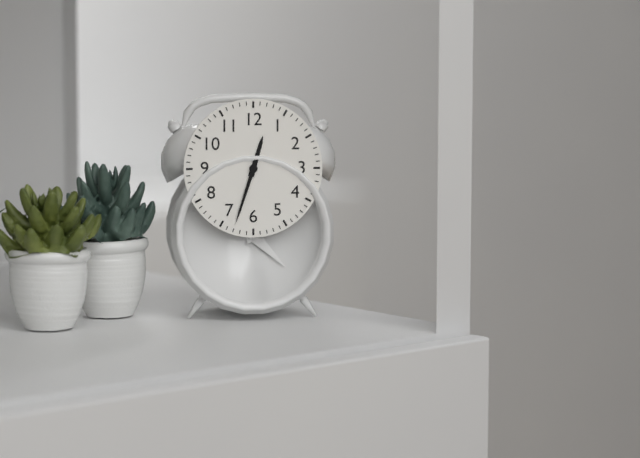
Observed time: 12:33
